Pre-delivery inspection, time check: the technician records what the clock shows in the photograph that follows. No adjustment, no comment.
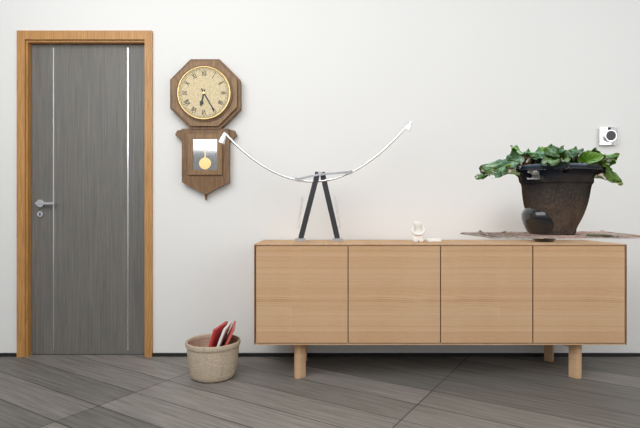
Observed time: 6:25
